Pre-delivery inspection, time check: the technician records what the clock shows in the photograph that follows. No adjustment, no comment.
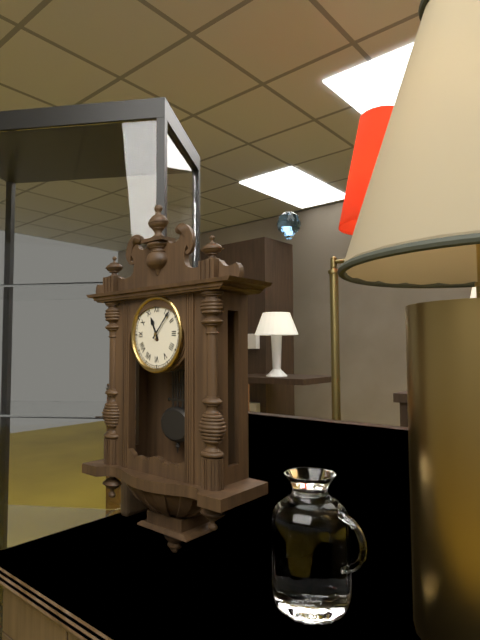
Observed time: 11:07
